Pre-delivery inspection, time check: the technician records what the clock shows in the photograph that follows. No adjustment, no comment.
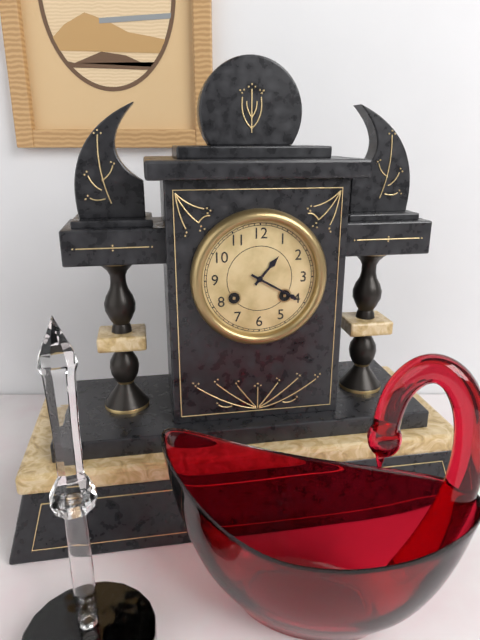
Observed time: 1:20
